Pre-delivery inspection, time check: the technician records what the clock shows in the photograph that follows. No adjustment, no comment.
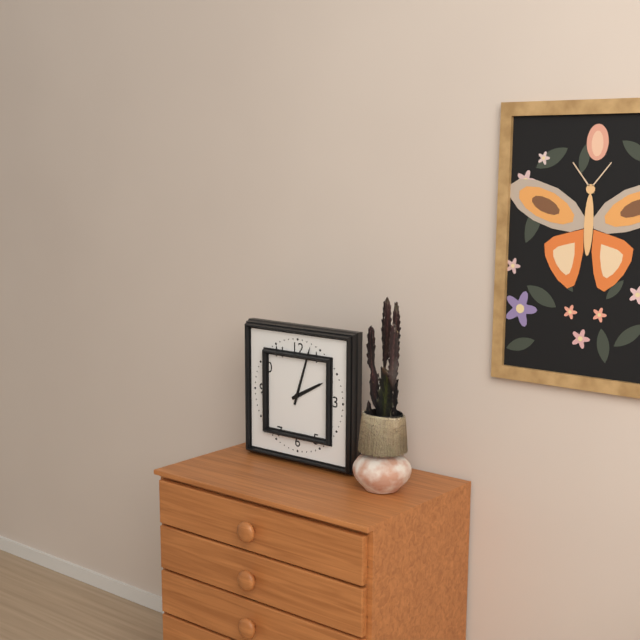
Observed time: 2:03
